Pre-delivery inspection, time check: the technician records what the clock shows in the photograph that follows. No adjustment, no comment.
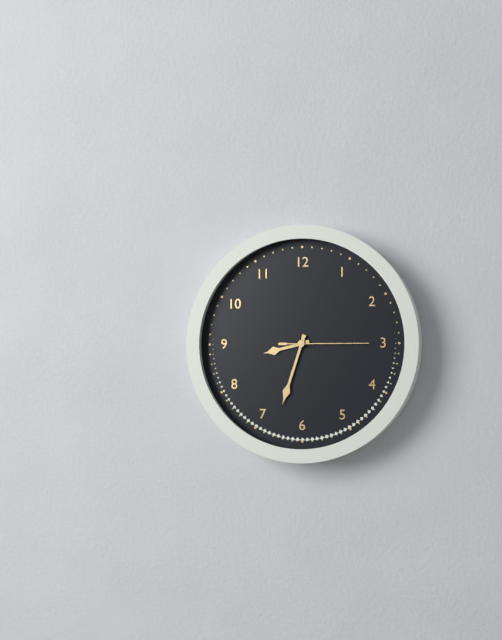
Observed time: 8:33:15
